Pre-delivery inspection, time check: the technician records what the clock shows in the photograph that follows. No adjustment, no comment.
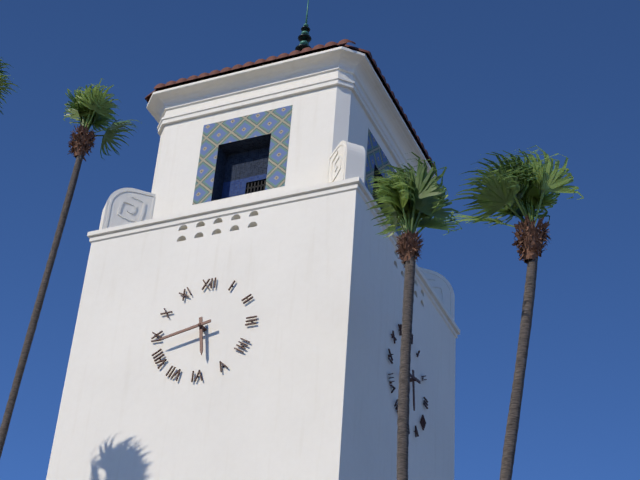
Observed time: 5:43
